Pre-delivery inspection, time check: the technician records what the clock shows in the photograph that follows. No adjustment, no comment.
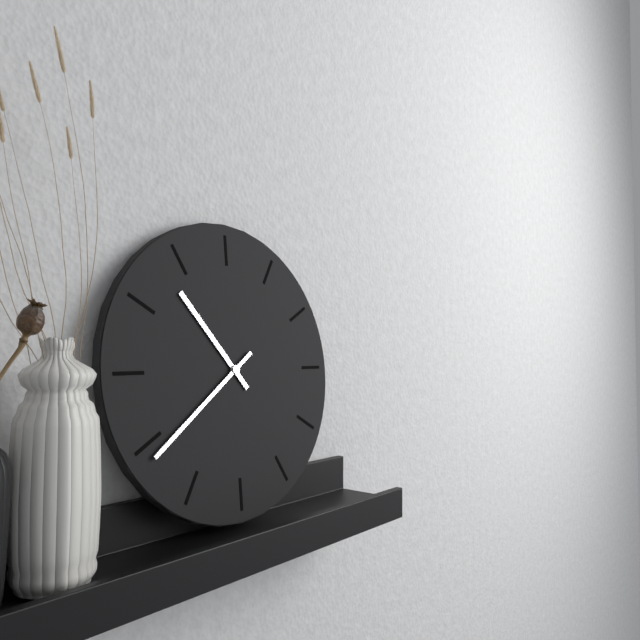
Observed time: 10:39
